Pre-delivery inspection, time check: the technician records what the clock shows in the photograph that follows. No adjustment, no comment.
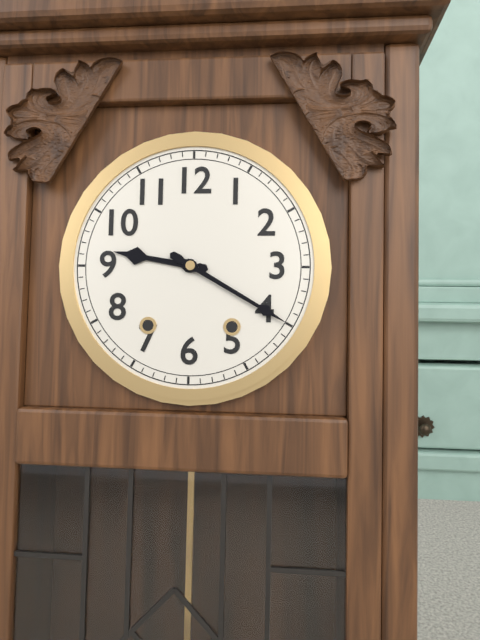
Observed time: 9:20
